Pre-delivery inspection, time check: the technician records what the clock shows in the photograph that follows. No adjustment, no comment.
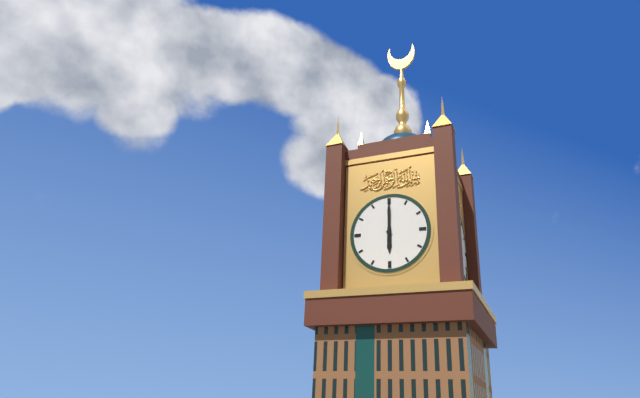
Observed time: 6:00
